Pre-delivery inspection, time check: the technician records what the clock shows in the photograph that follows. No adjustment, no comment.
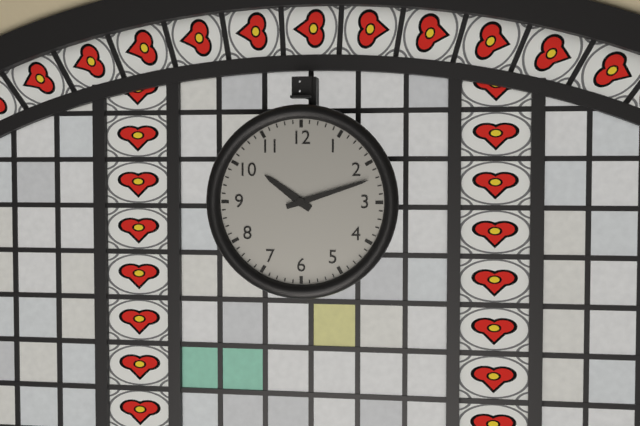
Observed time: 10:12
